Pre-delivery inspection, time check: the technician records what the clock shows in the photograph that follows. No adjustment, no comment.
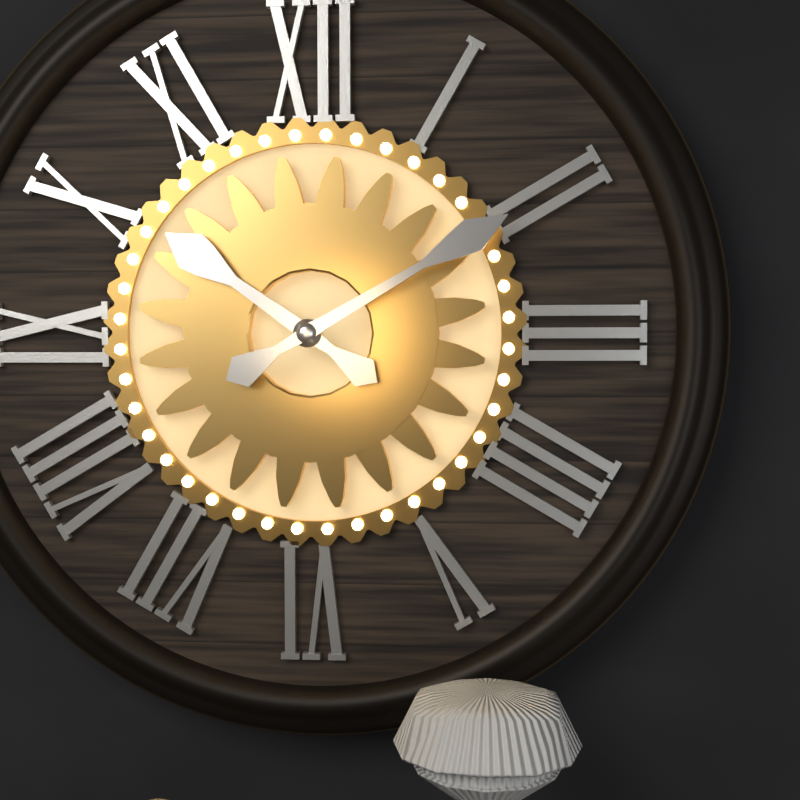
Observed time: 10:10
